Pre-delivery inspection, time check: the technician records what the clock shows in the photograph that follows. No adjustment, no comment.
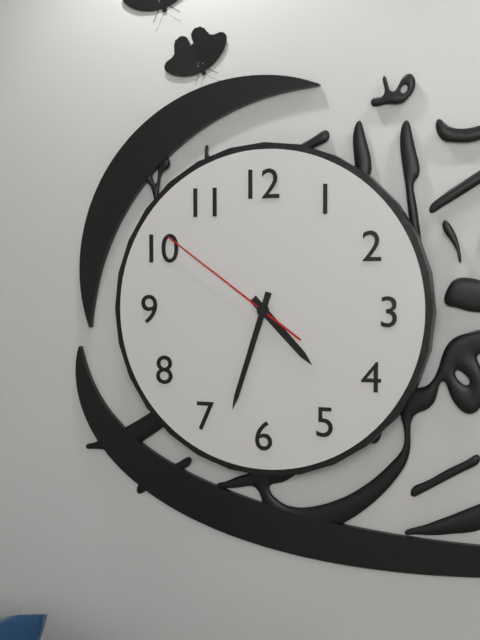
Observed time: 4:33:51
